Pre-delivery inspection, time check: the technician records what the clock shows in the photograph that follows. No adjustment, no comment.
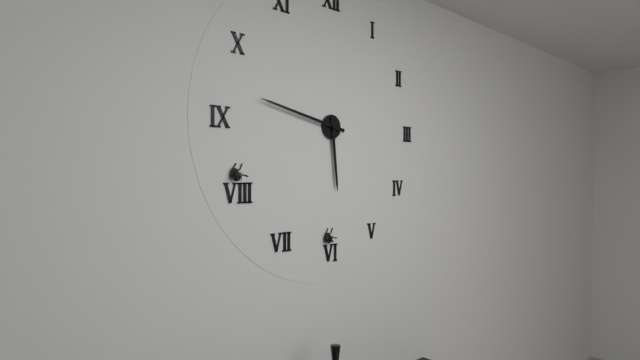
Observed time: 5:47
